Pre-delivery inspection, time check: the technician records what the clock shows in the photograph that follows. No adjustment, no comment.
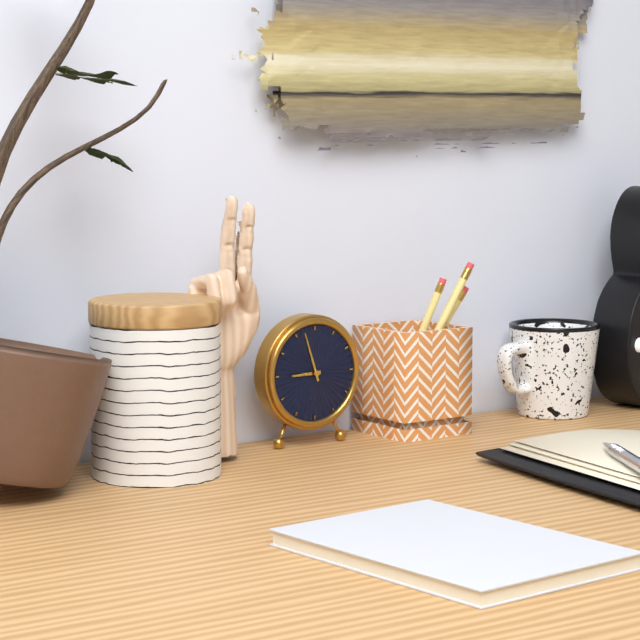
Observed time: 8:57
